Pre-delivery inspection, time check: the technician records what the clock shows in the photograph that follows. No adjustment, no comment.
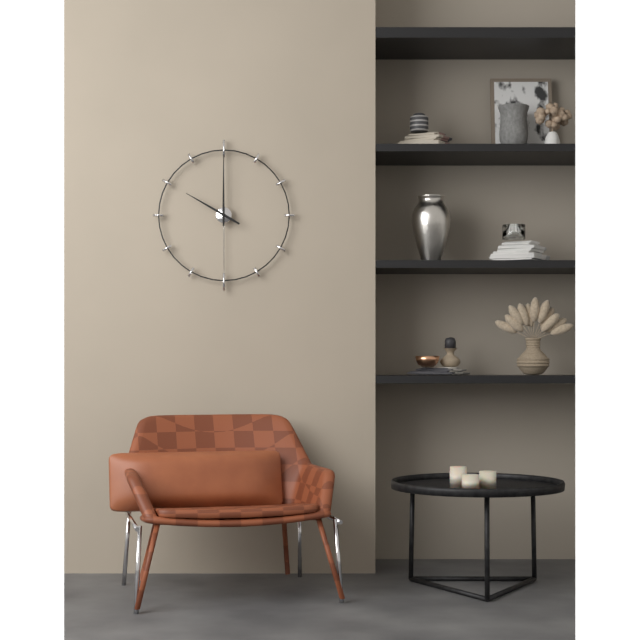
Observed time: 10:00
